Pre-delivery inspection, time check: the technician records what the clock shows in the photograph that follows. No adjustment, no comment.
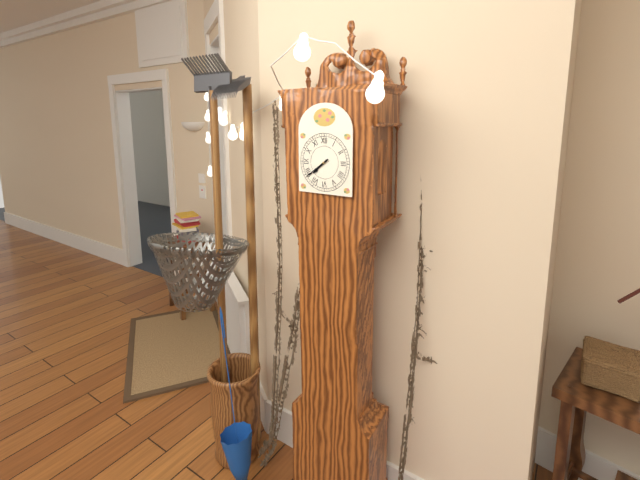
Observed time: 7:39
